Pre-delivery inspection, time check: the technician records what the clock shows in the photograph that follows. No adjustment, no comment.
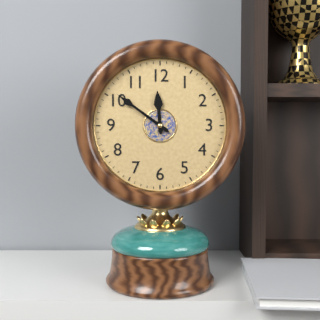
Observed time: 11:51
